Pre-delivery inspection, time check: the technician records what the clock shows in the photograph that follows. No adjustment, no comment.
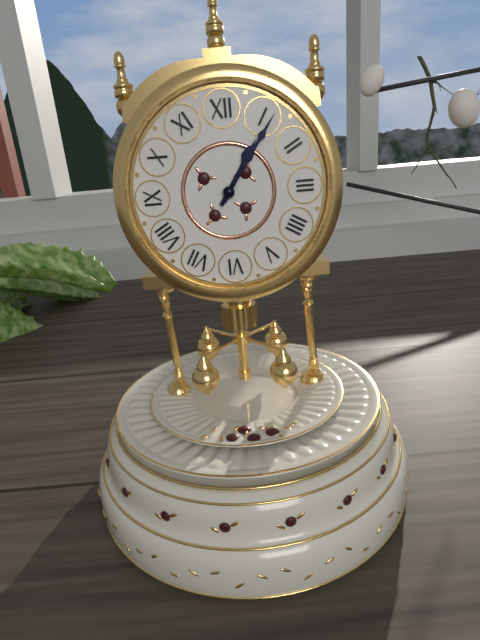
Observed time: 1:06
